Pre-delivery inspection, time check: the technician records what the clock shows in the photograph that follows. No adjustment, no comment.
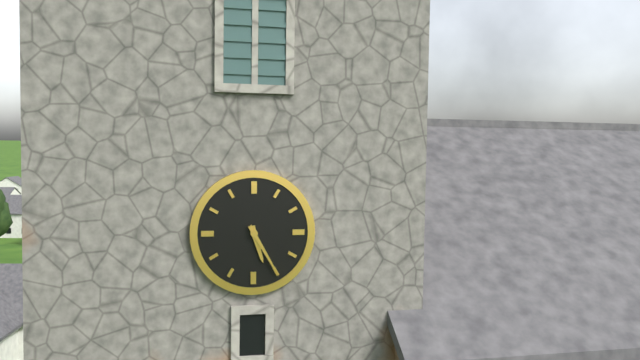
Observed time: 5:25
